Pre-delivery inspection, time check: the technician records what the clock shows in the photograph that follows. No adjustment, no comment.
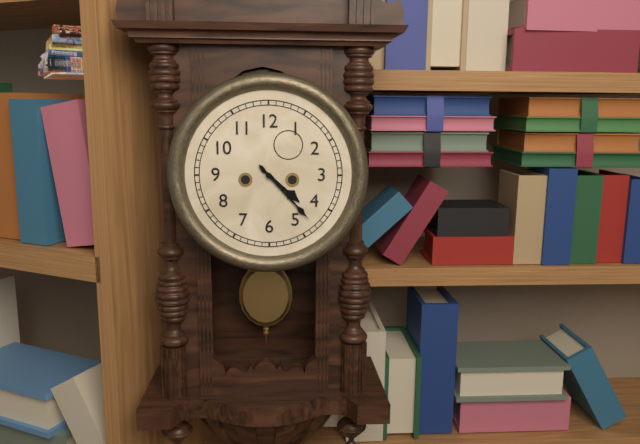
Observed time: 4:23
